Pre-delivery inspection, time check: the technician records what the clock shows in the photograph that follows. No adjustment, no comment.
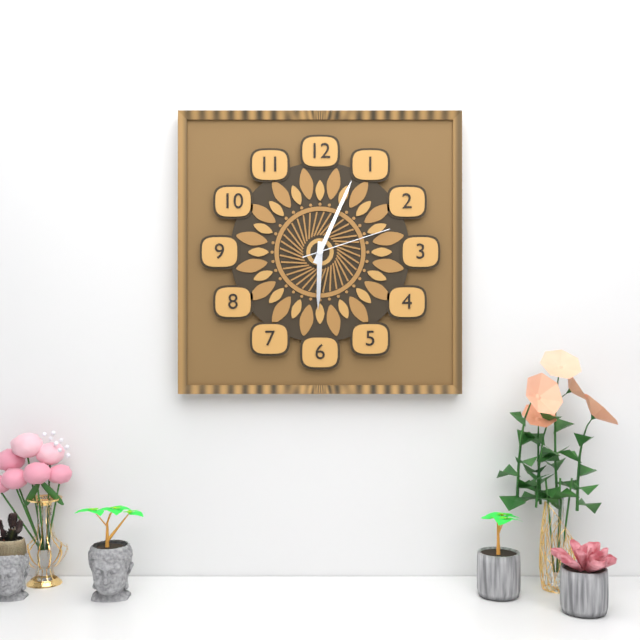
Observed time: 6:04:12
